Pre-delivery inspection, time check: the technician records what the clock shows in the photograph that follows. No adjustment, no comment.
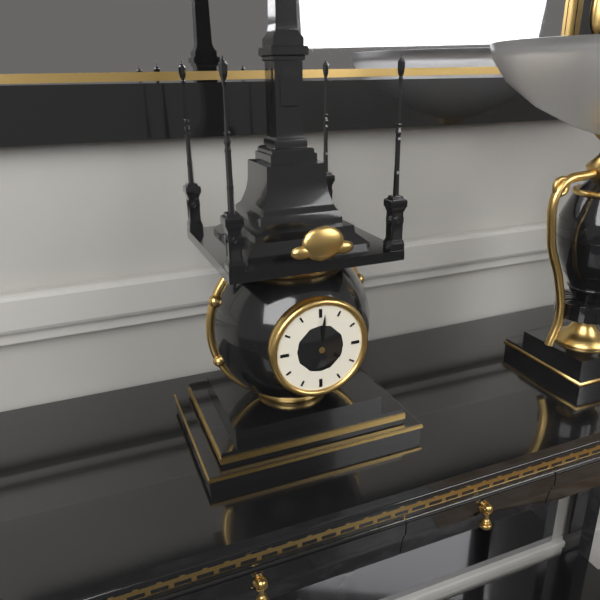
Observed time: 4:01
